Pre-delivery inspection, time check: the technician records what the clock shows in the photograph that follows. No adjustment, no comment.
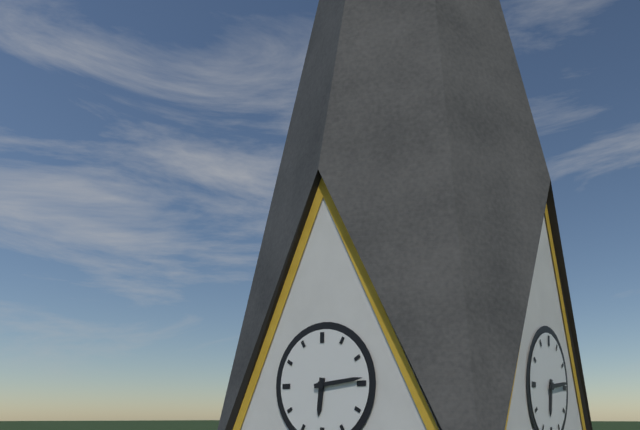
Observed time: 6:14
